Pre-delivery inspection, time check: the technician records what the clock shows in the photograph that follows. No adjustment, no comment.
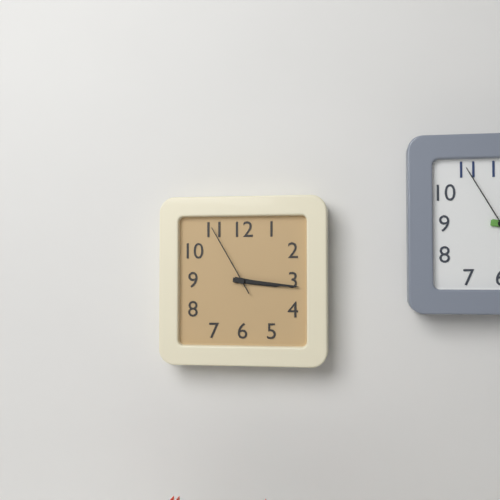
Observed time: 3:16:55
